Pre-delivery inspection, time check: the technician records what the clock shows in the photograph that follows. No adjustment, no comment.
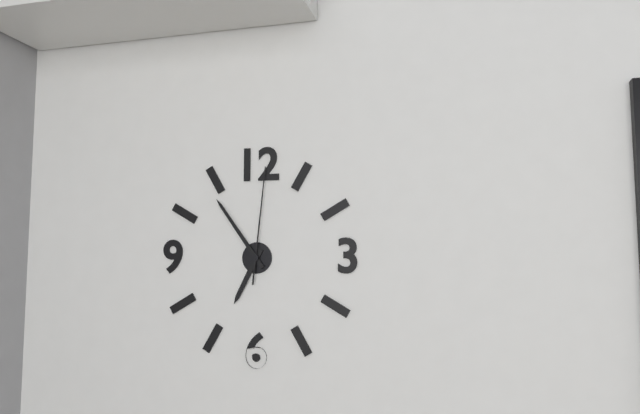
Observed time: 6:54:01
